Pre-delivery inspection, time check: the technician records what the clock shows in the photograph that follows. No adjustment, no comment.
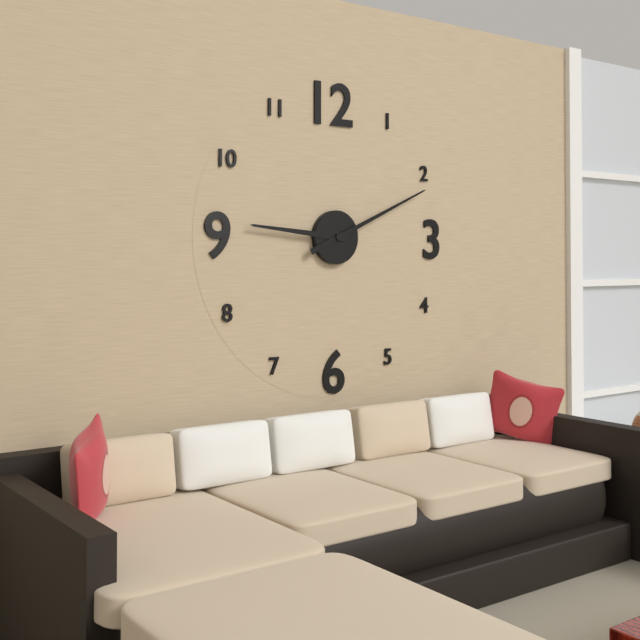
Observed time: 9:11
